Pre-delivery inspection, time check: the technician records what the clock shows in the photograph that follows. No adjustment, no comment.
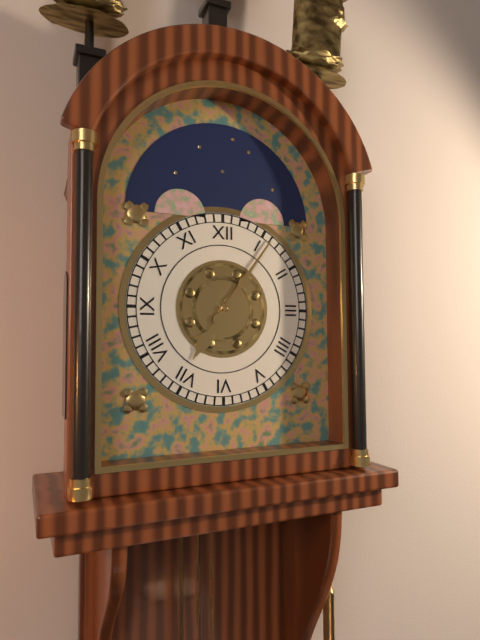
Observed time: 7:06
